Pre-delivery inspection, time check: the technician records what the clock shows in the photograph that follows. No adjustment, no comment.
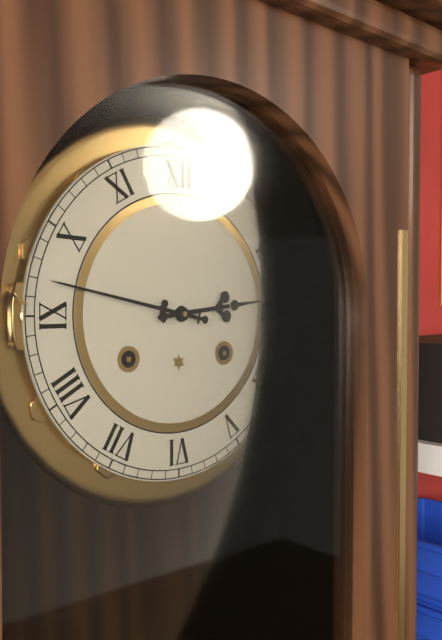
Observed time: 2:47
